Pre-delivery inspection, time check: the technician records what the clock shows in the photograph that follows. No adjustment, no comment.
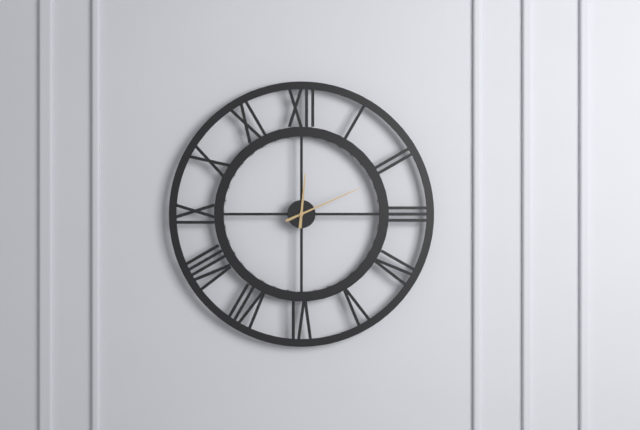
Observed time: 12:11
